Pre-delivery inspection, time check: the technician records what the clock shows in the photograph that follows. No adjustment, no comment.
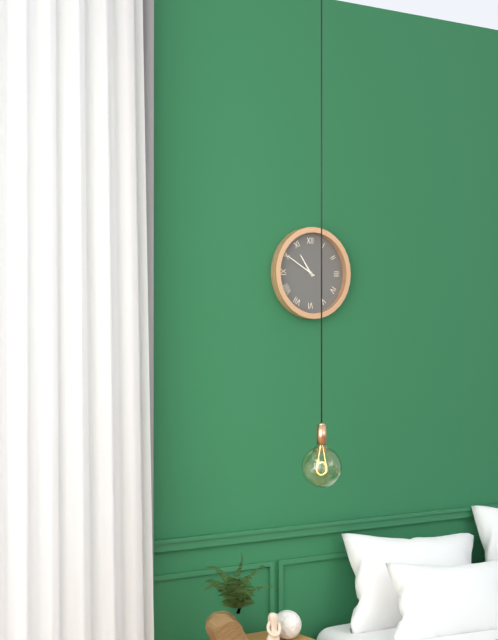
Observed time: 10:50
